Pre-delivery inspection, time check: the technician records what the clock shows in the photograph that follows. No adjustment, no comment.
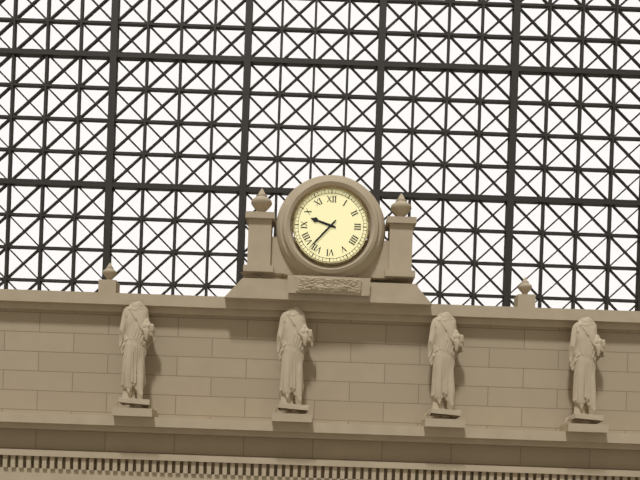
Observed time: 9:37
